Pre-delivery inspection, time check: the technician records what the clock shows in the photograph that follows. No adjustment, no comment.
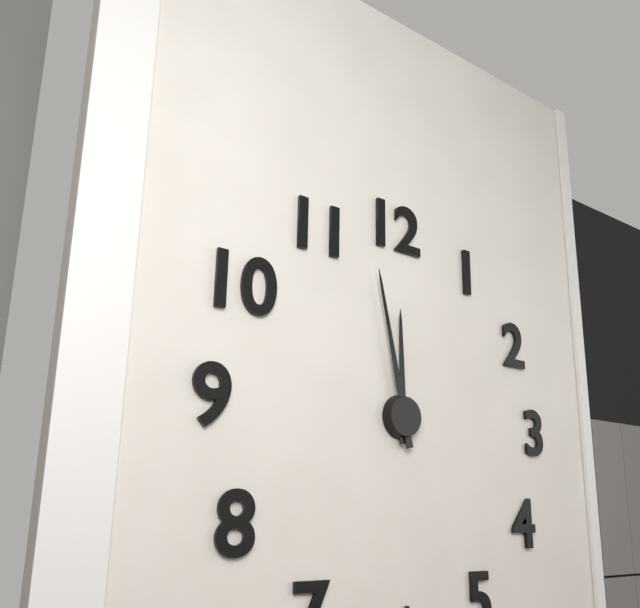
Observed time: 11:58
